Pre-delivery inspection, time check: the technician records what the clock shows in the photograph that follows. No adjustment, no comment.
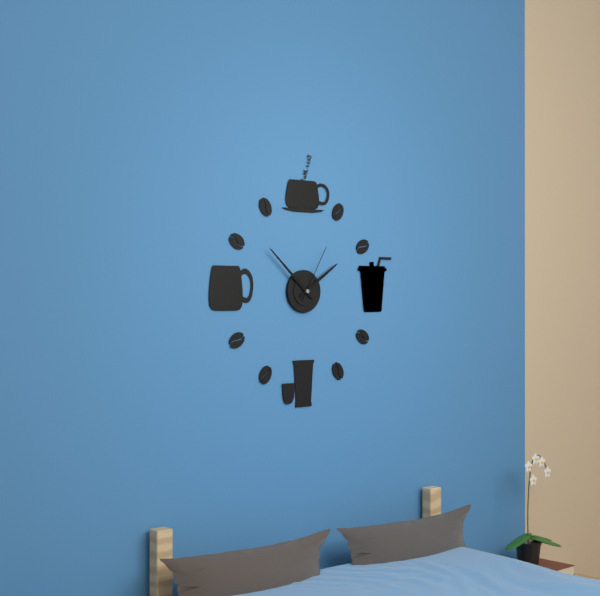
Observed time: 1:52:05
